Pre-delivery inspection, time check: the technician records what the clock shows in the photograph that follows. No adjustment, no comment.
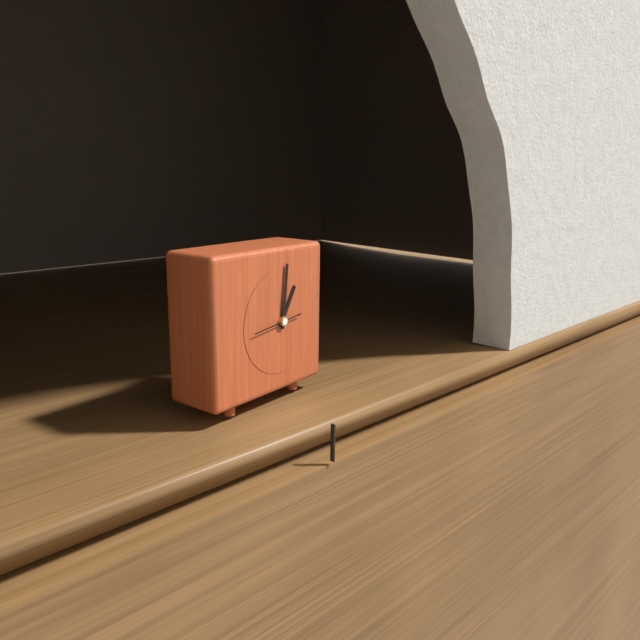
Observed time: 1:01
